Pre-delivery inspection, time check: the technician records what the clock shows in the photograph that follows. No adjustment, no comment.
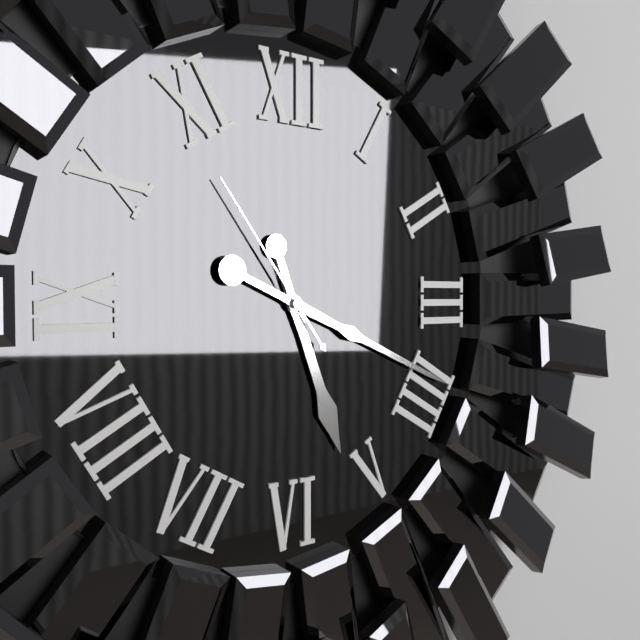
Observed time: 5:19:54
